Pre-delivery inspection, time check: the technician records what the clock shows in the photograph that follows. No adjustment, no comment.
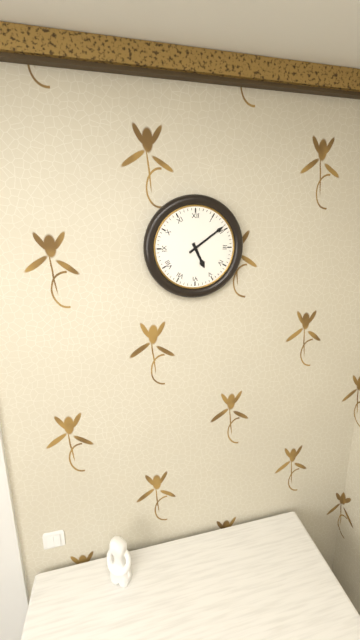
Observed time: 5:09
